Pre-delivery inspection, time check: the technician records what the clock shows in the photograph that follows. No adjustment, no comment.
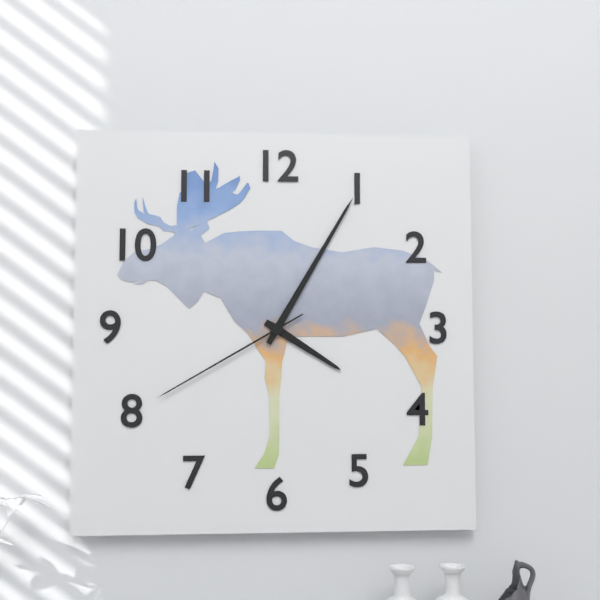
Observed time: 4:05:40
